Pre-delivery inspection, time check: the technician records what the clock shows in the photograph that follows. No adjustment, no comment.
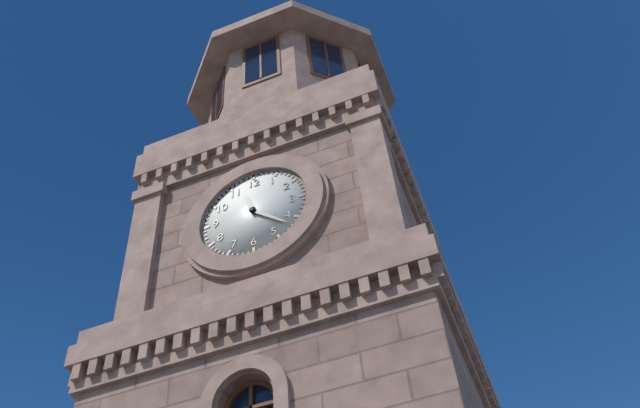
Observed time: 11:22
